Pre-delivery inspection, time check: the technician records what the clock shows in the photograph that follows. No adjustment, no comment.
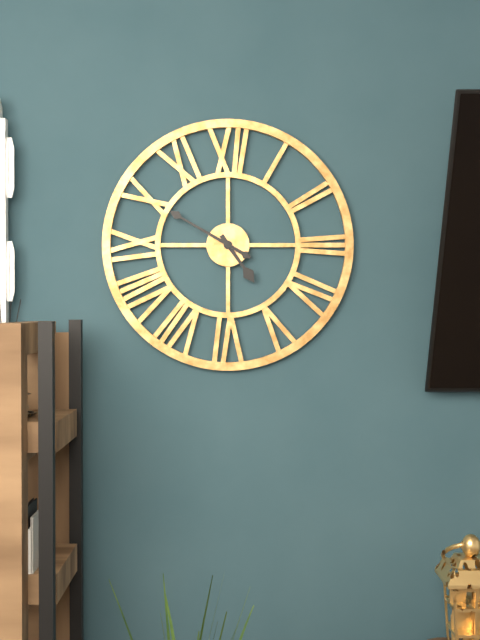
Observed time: 4:50
